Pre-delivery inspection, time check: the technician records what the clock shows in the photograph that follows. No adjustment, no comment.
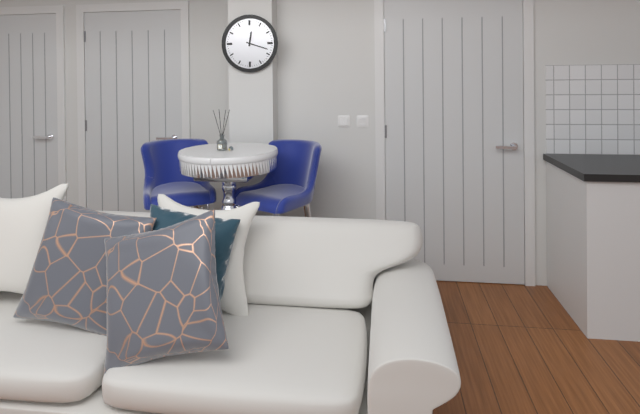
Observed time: 12:18
